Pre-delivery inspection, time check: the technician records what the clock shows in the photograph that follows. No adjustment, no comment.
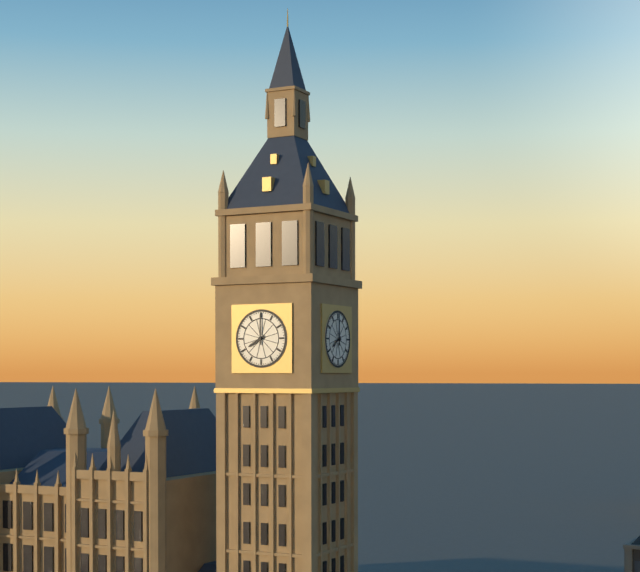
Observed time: 8:00
